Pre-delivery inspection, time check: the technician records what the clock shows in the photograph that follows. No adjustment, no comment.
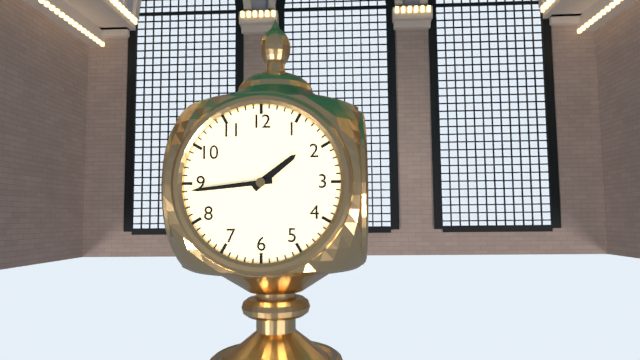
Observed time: 1:44
